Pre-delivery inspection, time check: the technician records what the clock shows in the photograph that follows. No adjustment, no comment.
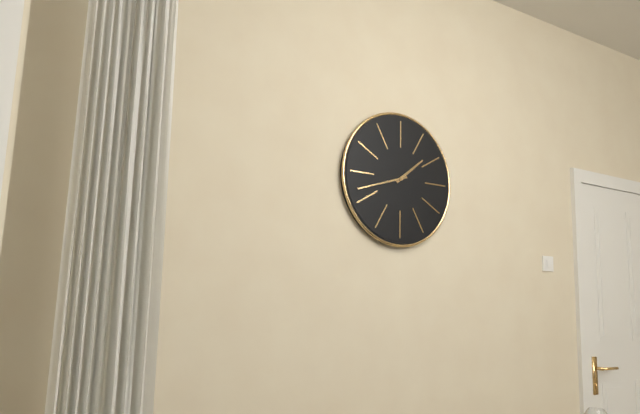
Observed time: 1:42
